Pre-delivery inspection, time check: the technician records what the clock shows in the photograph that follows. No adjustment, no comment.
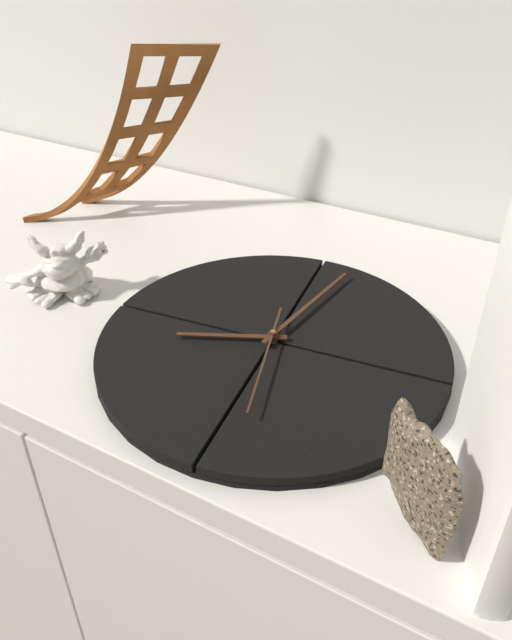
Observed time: 9:06:32
